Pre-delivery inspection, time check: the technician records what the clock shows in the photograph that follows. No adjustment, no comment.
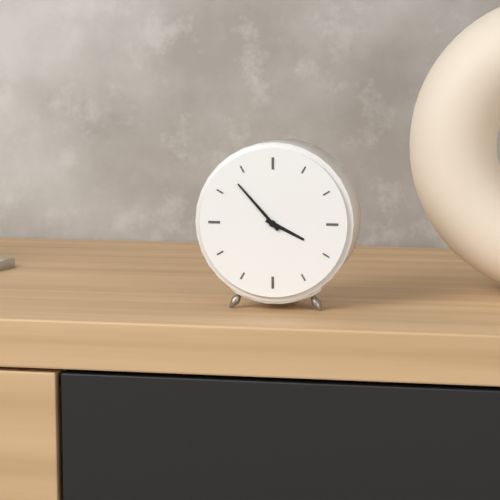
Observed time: 3:53
